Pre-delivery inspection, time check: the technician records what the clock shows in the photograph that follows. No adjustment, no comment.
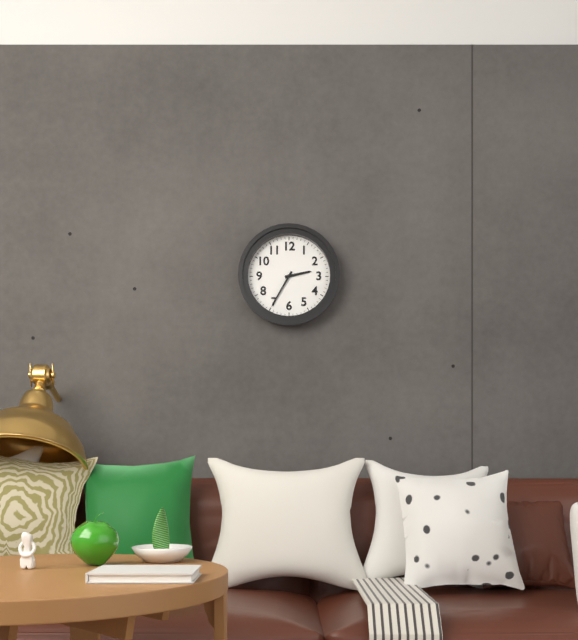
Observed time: 2:35
